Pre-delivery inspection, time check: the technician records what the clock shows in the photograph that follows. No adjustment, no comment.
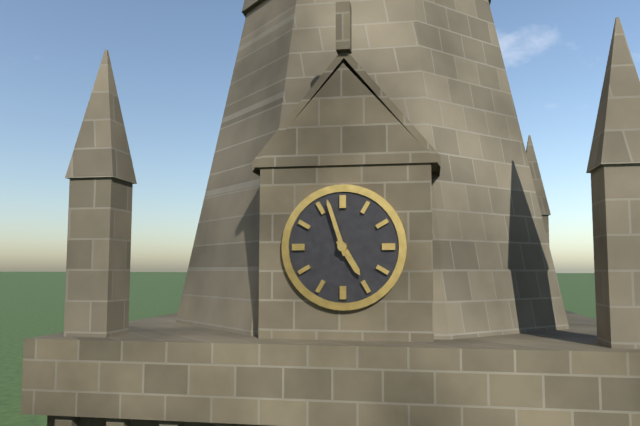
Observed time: 4:57
